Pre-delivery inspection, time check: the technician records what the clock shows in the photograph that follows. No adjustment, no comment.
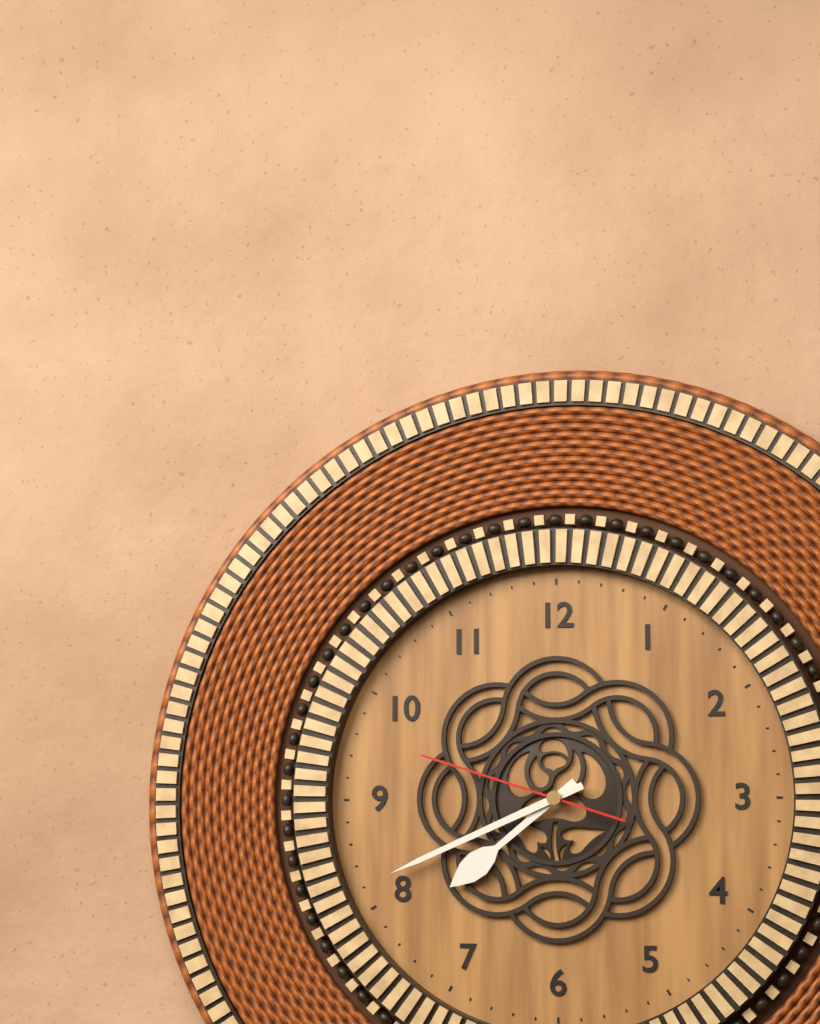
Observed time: 7:41:48
